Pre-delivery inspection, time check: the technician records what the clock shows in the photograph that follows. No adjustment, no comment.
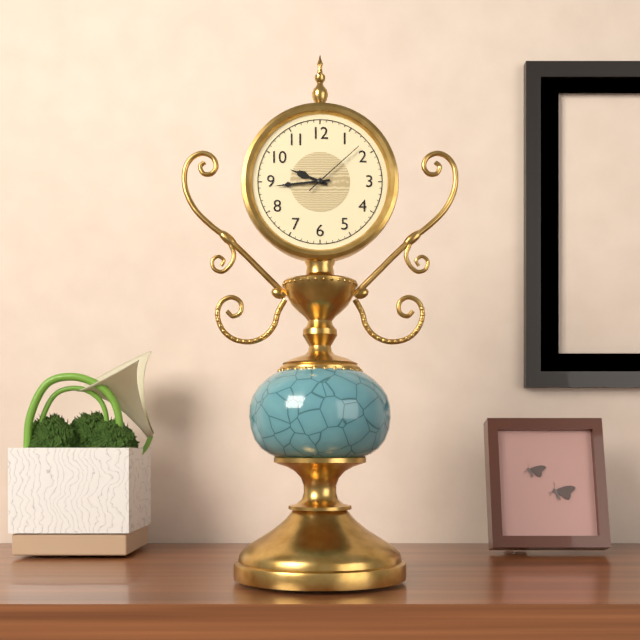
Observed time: 9:44:08
